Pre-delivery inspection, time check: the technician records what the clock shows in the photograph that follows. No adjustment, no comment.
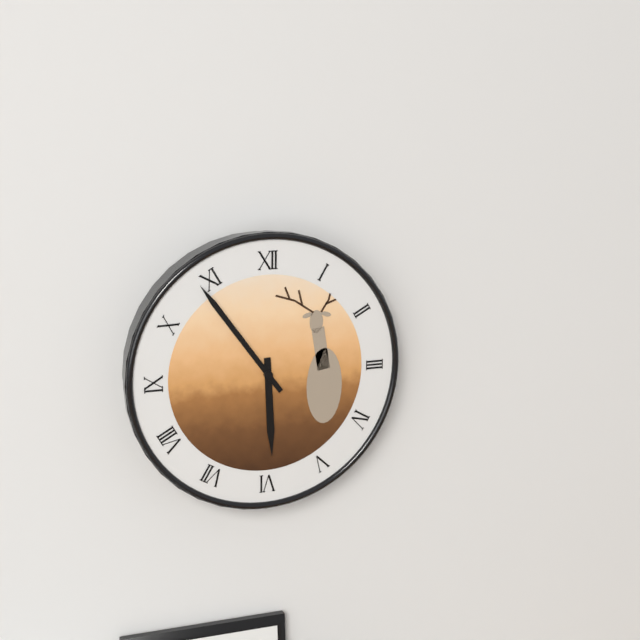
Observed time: 5:54
